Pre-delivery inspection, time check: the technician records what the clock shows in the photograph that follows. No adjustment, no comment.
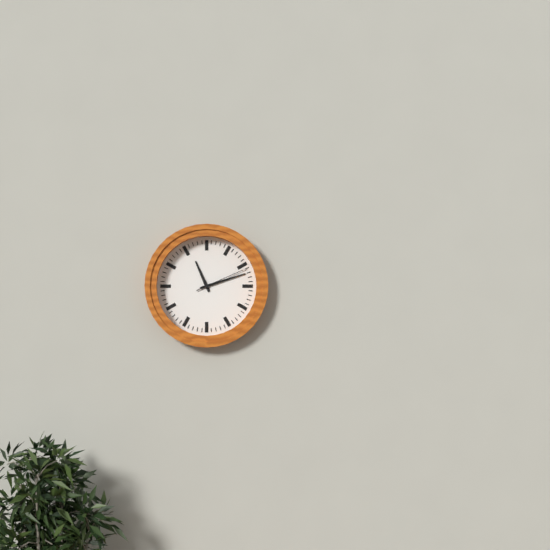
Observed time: 11:12:11
